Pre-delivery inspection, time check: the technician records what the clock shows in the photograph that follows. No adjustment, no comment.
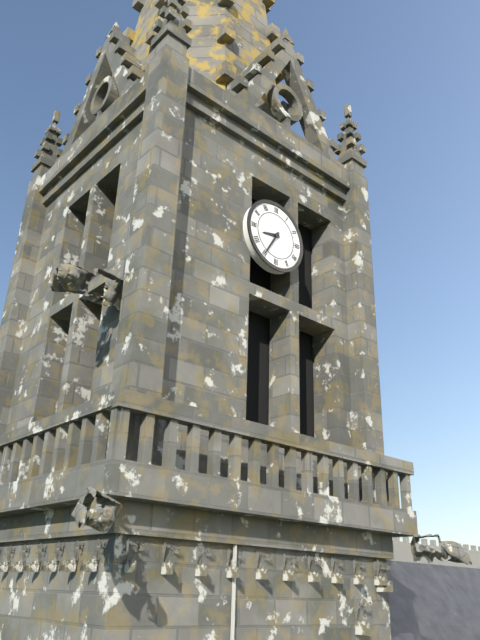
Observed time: 8:35
